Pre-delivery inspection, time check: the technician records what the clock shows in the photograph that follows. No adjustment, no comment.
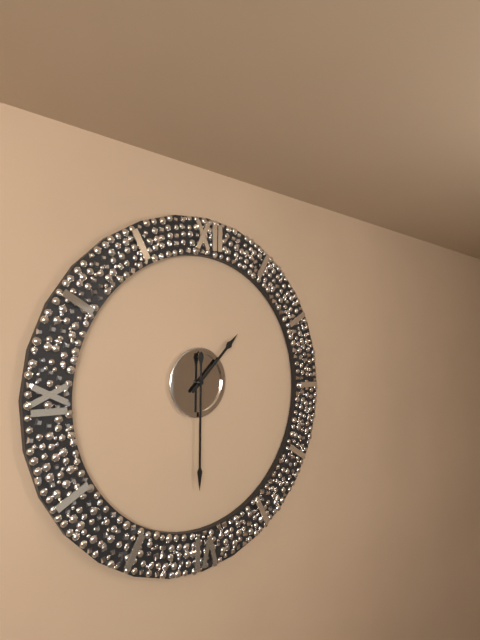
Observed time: 1:30
